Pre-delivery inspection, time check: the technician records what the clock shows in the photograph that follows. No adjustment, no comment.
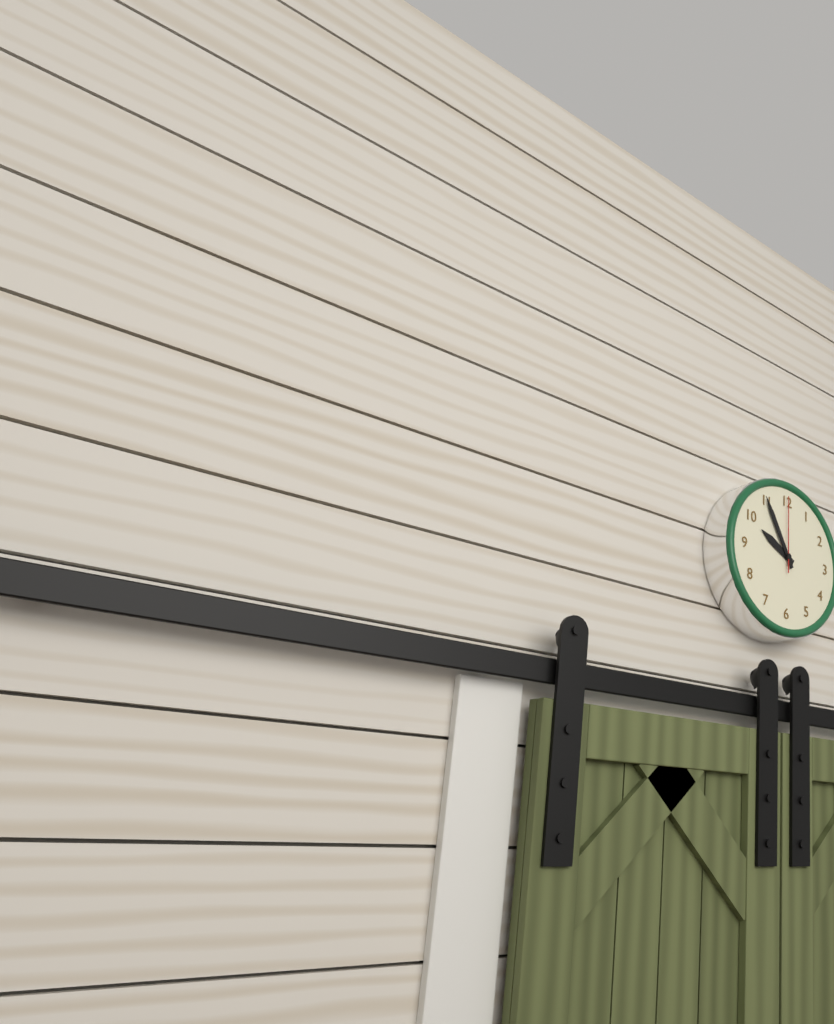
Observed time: 9:55:00
